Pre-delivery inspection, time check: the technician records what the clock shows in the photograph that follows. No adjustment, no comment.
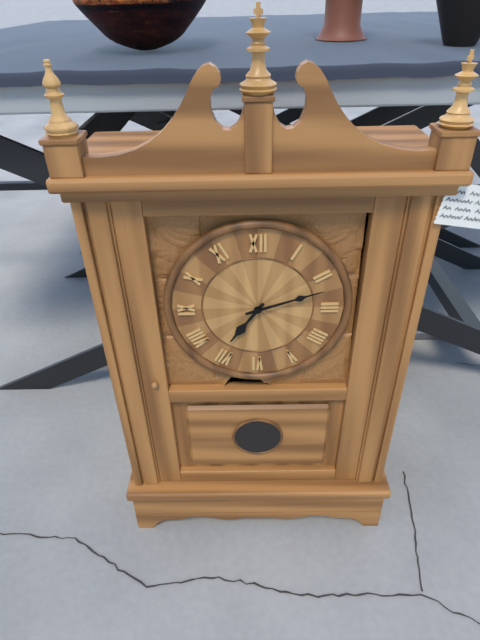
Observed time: 7:12
